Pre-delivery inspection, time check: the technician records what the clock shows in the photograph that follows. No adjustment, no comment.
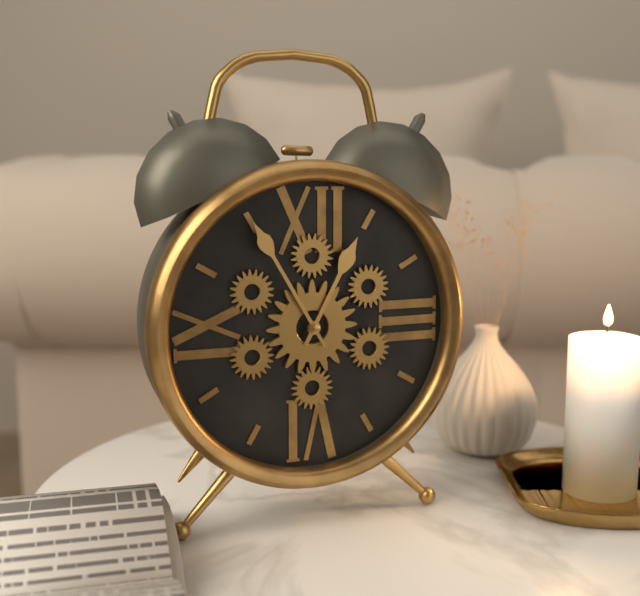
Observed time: 12:55
